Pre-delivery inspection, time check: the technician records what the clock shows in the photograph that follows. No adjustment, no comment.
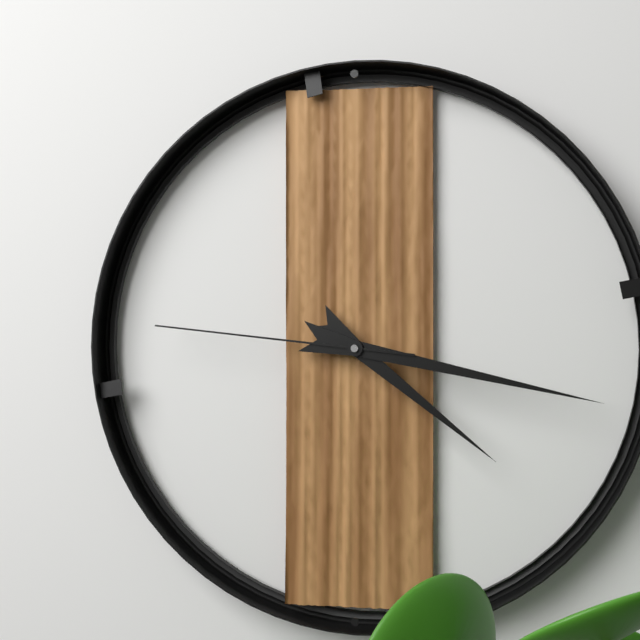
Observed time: 4:17:46
